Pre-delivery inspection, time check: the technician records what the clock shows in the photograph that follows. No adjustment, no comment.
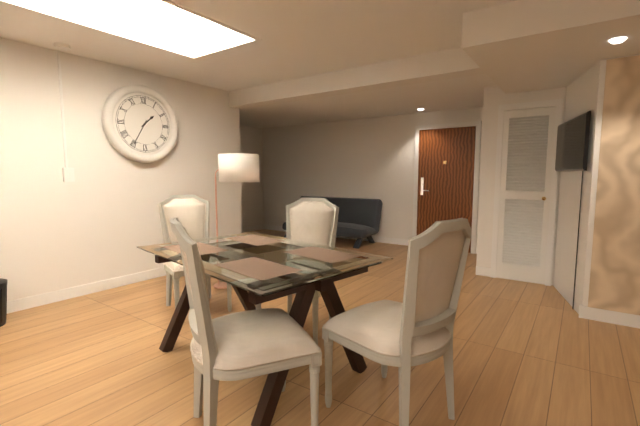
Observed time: 1:35
